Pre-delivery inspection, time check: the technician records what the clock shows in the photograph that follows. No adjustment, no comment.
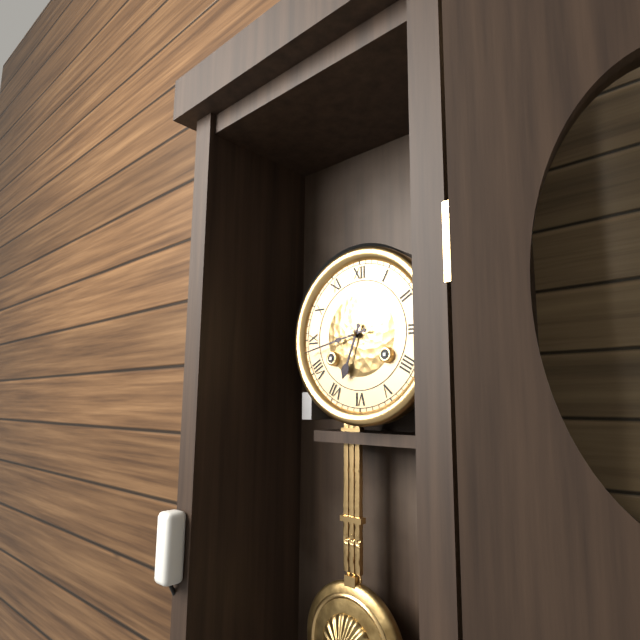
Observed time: 6:43
